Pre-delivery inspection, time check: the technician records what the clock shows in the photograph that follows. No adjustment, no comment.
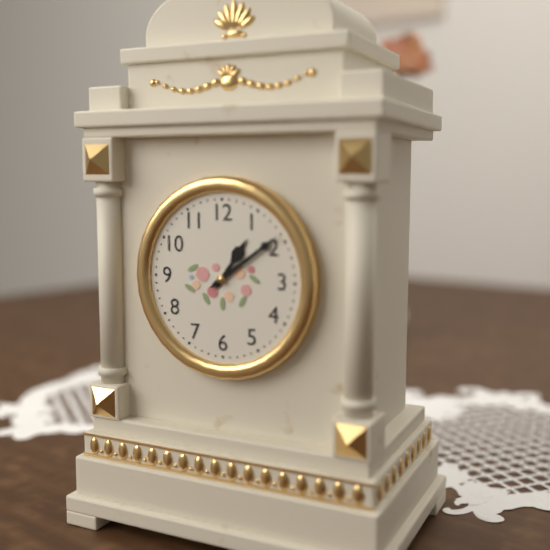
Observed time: 1:09
